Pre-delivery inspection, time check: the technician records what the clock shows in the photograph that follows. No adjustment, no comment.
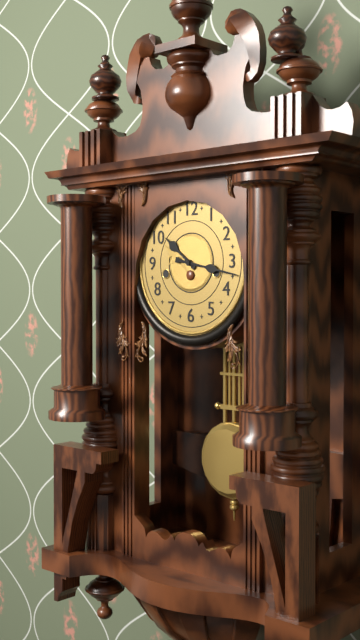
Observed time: 10:17
